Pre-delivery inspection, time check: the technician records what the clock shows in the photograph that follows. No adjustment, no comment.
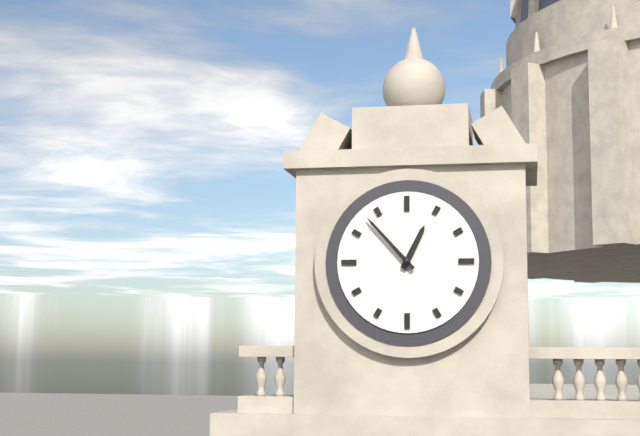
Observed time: 12:53
